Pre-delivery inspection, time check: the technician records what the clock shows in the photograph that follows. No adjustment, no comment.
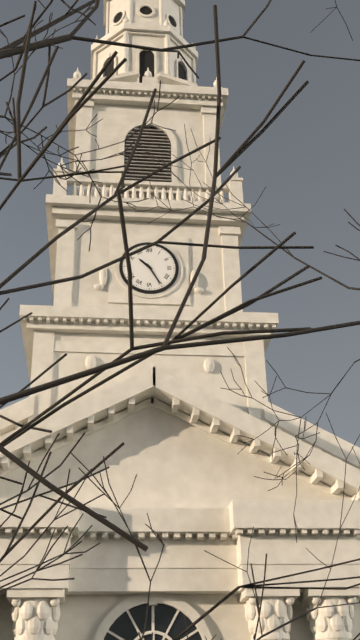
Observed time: 10:25
